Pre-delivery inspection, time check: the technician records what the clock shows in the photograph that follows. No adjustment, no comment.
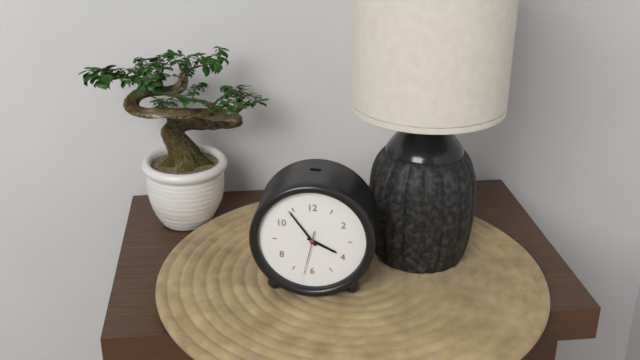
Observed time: 3:54
